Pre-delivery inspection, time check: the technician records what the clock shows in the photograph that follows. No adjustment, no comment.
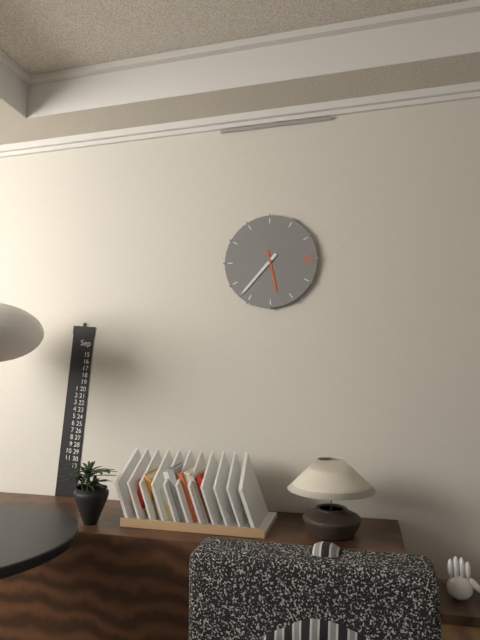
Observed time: 5:37
